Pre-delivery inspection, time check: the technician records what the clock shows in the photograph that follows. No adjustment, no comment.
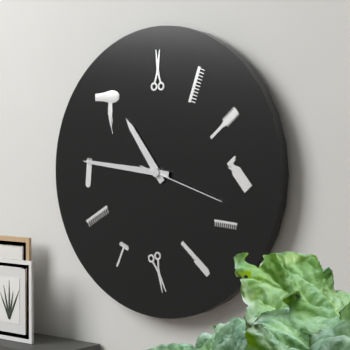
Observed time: 10:46:18
